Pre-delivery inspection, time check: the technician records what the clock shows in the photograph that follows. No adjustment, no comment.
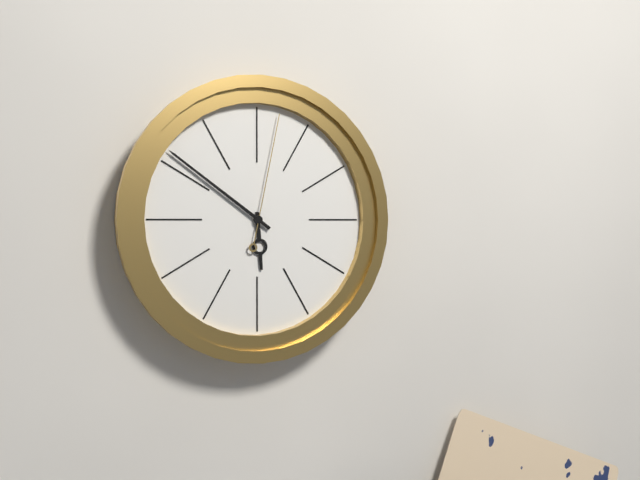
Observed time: 5:51:02
